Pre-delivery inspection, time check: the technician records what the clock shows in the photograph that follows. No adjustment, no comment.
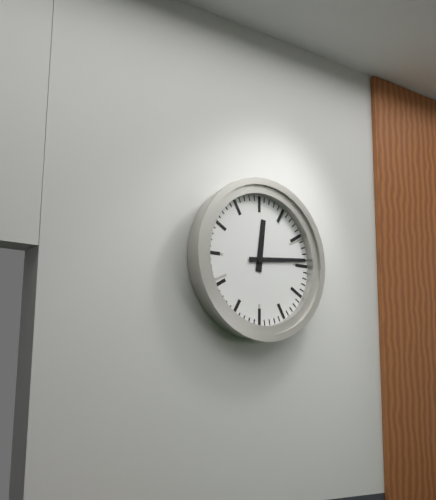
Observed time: 12:14
